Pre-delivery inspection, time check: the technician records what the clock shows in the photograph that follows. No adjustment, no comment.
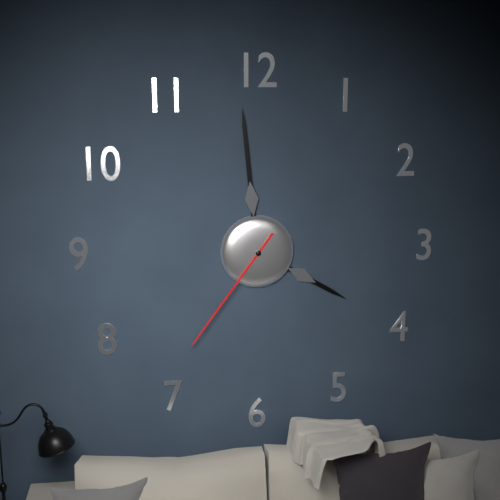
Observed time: 3:59:36
